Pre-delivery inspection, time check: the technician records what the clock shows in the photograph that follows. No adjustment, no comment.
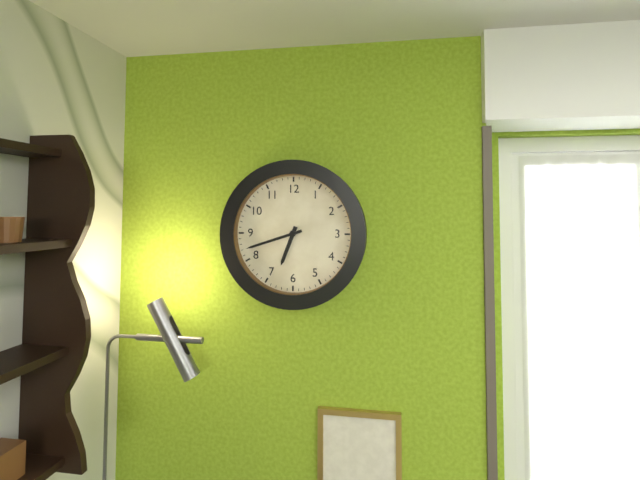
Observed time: 6:42
